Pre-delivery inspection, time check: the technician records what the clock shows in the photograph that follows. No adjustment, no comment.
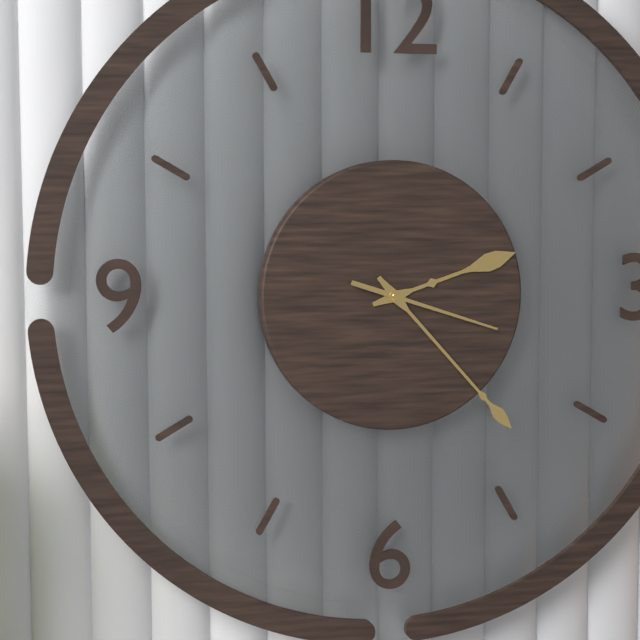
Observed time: 2:23:18
